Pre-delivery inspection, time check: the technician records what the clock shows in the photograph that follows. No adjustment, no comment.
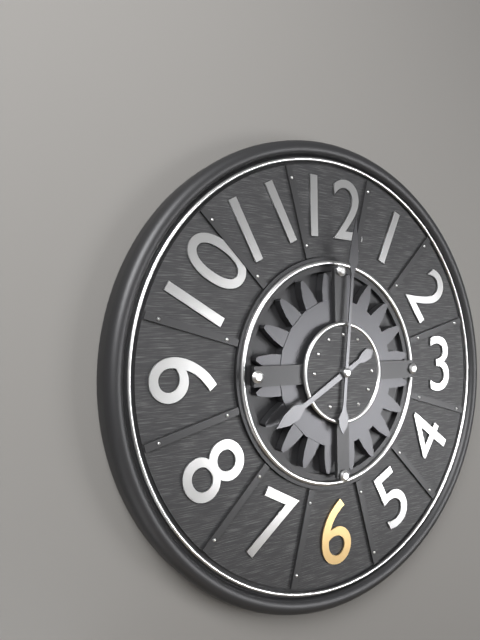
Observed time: 8:01
